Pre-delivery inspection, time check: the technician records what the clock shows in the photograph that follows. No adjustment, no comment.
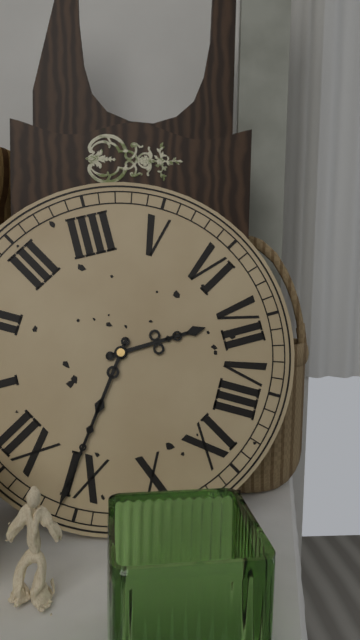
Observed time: 6:56
